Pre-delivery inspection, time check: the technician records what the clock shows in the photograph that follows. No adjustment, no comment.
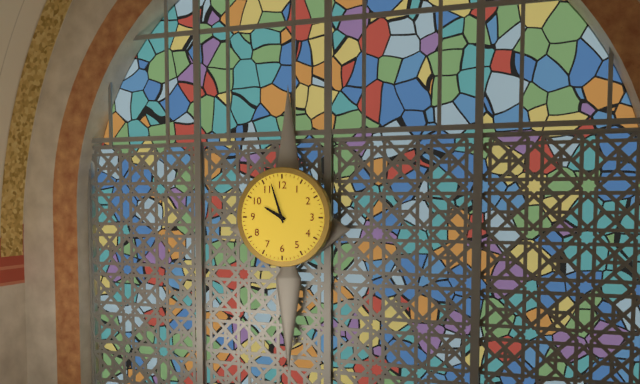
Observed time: 9:57
